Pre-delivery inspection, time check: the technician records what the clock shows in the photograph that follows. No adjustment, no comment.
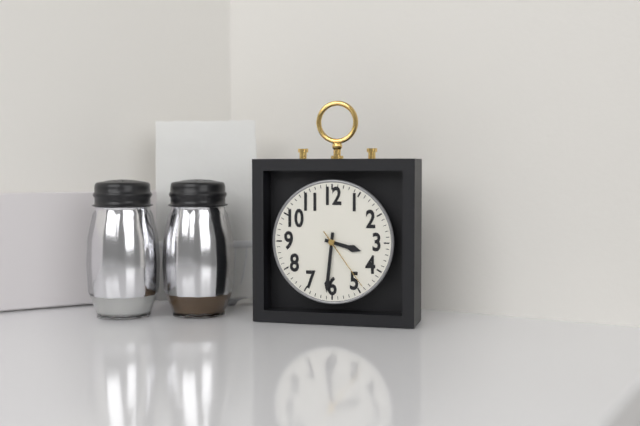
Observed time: 3:31:24
